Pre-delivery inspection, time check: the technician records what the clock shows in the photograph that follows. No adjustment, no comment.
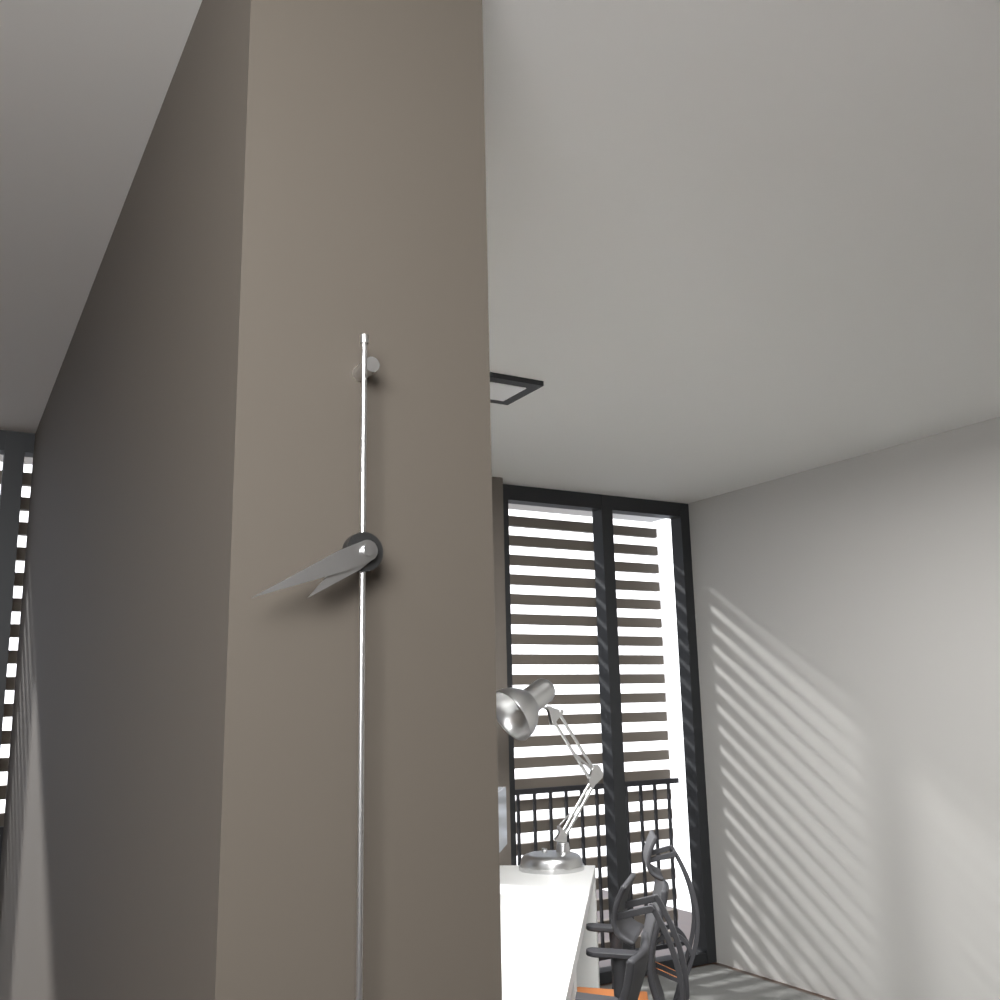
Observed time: 7:41
